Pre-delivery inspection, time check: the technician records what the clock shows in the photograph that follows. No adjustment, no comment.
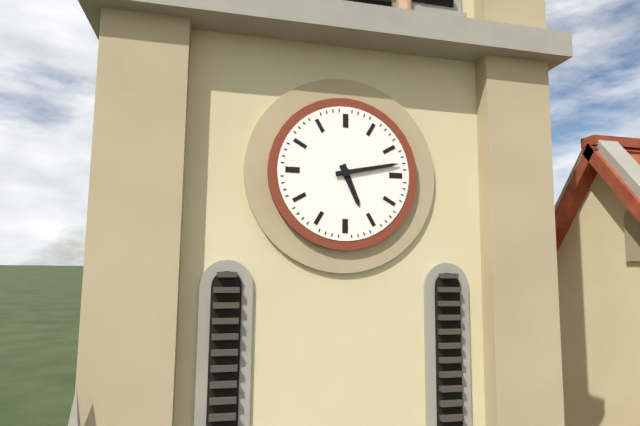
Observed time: 5:13
